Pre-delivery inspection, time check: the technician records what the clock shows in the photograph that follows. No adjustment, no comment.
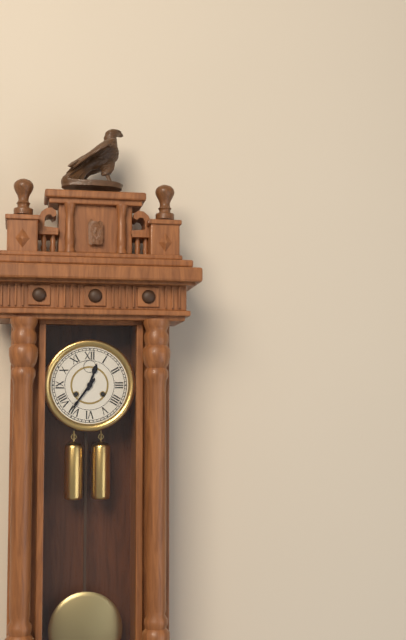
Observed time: 12:36
